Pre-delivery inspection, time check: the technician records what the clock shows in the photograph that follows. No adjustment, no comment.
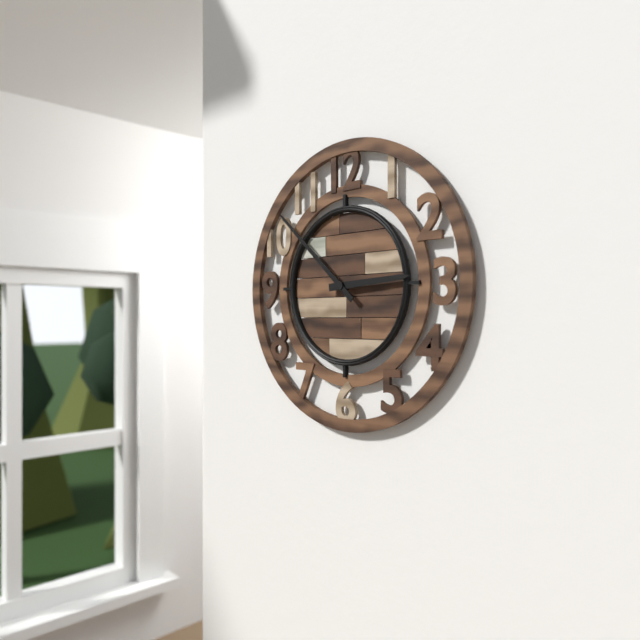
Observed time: 2:52
